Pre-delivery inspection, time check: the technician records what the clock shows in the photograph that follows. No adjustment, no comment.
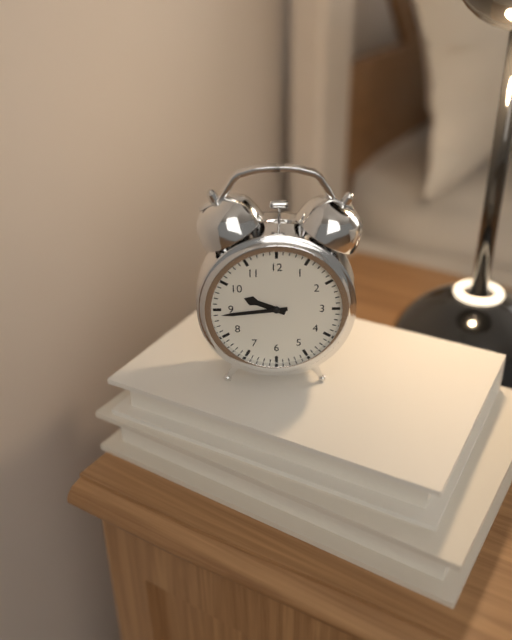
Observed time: 9:44
